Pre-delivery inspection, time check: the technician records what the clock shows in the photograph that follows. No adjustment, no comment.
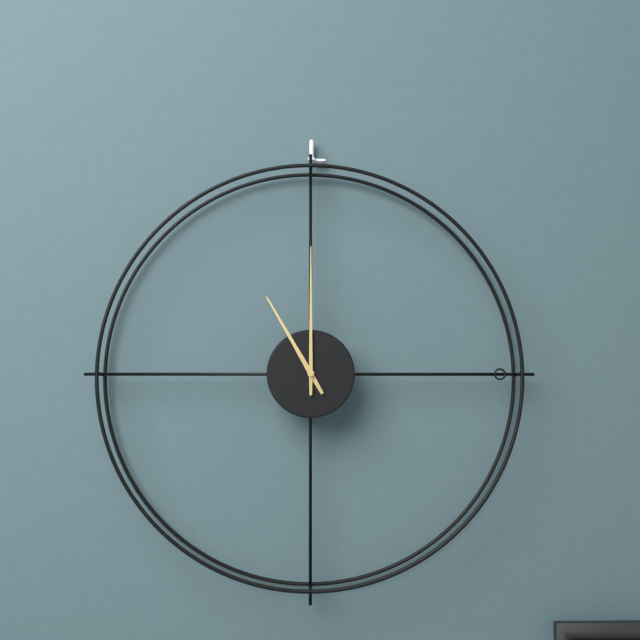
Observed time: 11:00
